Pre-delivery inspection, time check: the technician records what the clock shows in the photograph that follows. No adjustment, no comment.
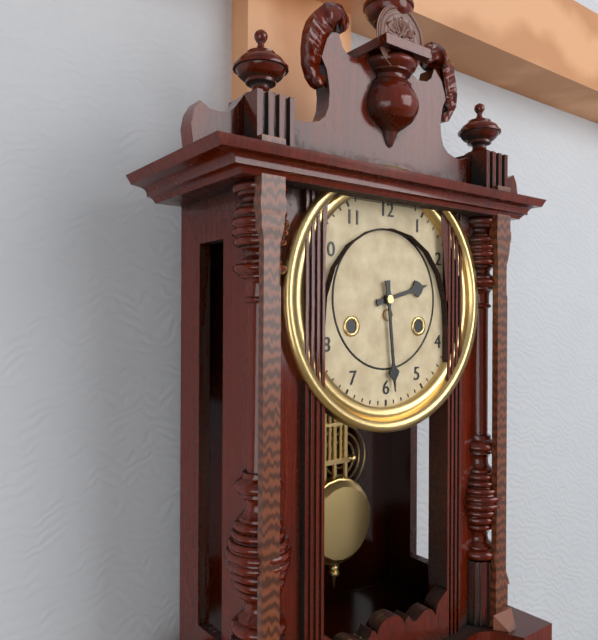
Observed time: 2:29
